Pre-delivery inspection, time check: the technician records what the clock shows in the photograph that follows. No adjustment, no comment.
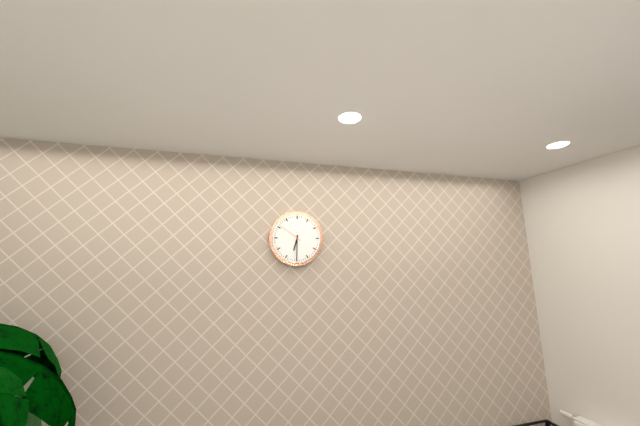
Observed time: 6:30
